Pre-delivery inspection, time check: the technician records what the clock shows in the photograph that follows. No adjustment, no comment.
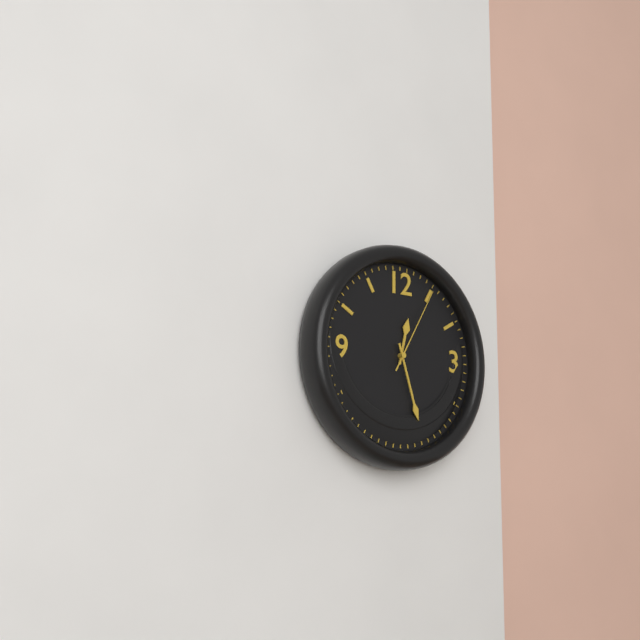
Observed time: 12:27:05
